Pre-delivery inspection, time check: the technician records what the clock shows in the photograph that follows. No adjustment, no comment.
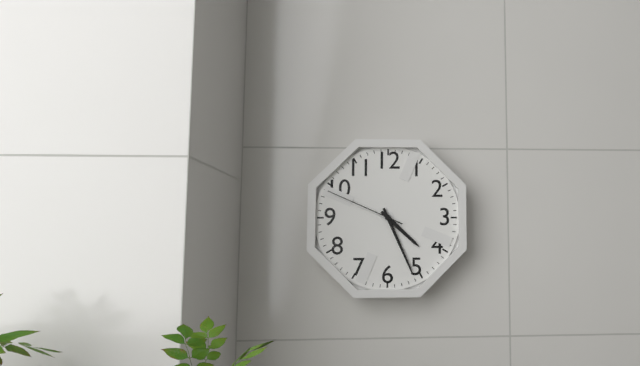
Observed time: 4:26:49
